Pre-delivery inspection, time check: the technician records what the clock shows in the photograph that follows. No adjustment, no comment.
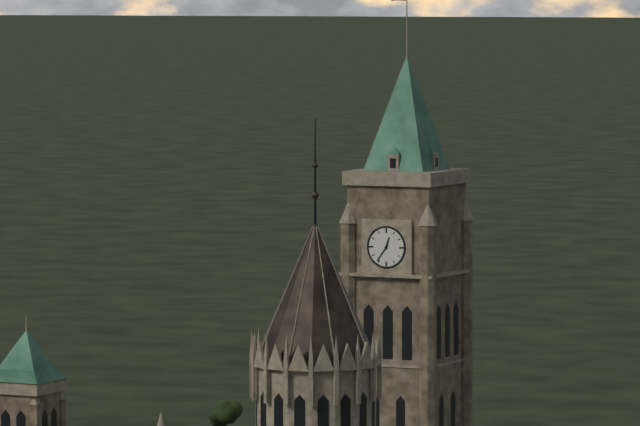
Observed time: 12:36
